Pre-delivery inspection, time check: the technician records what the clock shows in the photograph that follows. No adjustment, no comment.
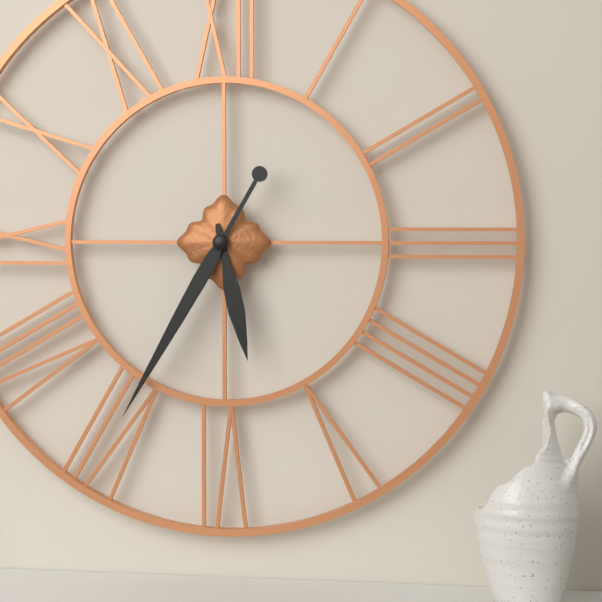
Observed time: 5:35
